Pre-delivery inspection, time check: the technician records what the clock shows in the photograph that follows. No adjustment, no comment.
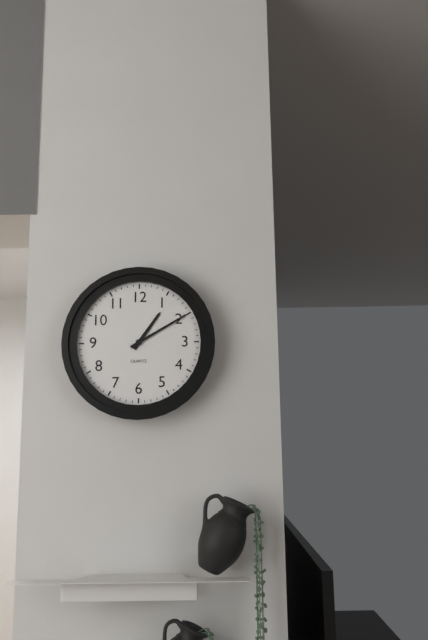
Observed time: 1:10
